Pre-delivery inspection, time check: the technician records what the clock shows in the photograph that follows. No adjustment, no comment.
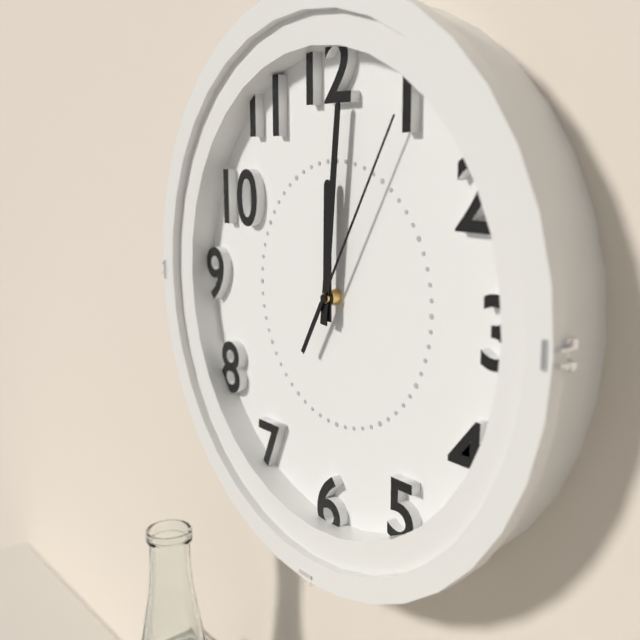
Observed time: 12:01:05
